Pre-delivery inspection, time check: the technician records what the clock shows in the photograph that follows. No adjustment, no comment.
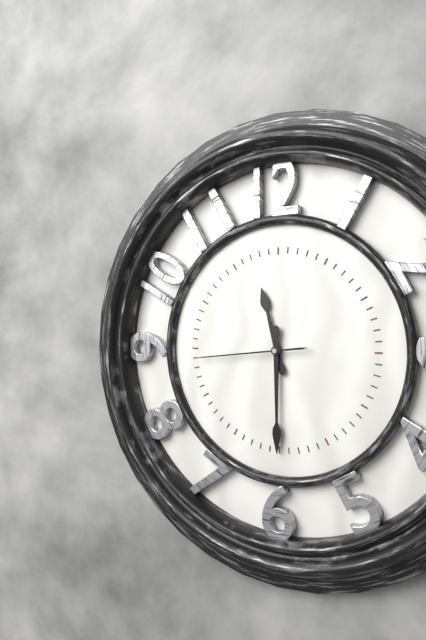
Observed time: 11:30:44
